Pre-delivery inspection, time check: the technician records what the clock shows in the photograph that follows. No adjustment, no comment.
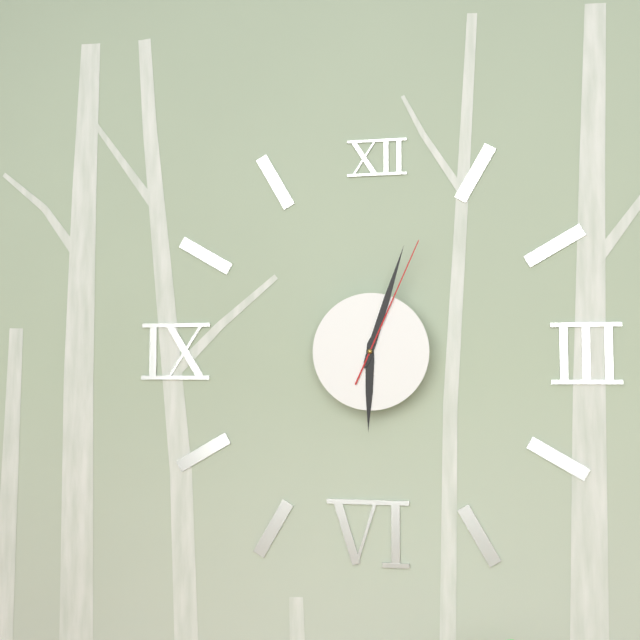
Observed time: 6:03:04
